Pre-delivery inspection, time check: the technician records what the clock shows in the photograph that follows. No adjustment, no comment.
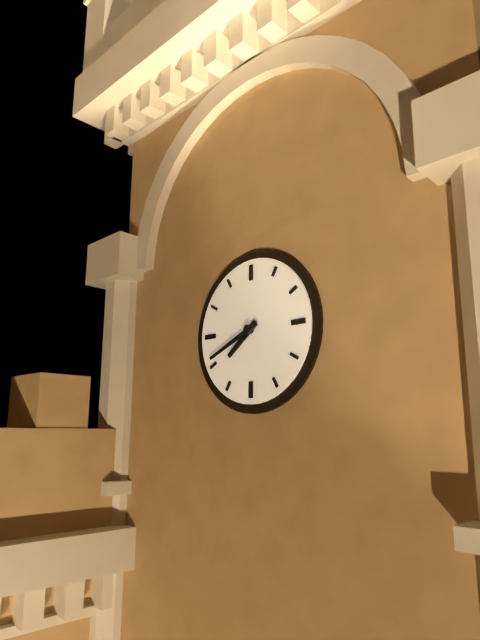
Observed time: 7:41
